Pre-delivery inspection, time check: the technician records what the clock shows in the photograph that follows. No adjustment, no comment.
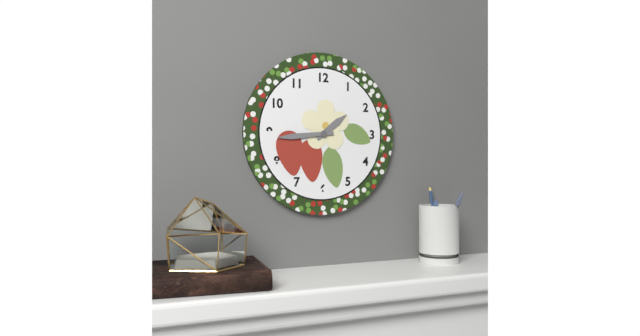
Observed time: 1:44
